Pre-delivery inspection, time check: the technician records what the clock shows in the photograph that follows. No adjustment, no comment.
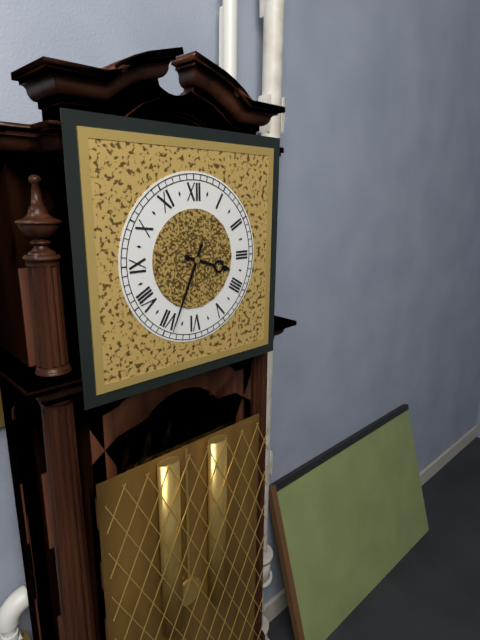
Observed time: 3:34
